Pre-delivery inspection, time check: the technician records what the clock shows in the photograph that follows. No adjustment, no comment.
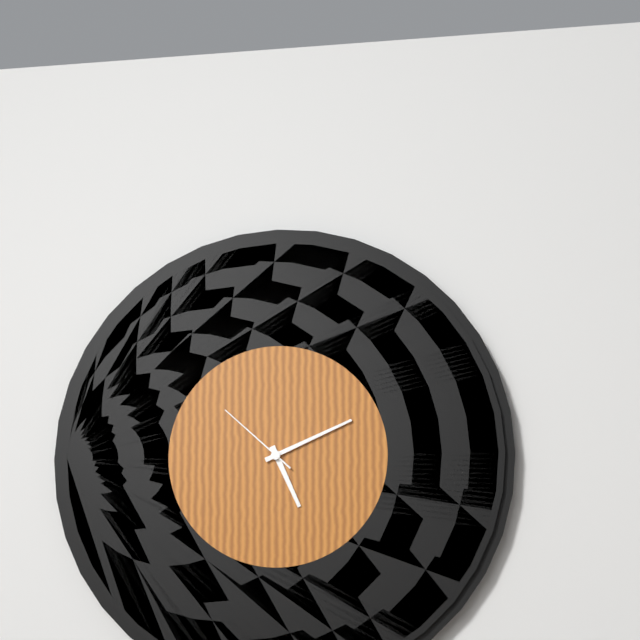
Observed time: 5:11:52
